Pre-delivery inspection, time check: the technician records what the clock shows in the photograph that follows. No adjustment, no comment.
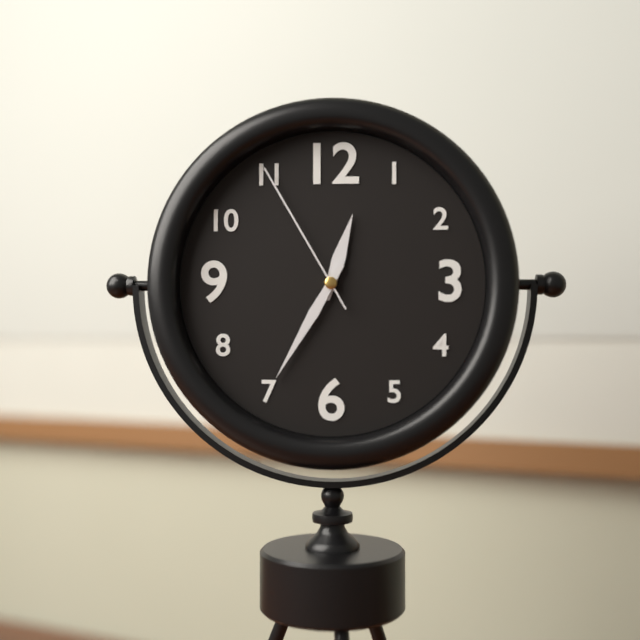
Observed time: 12:35:55
